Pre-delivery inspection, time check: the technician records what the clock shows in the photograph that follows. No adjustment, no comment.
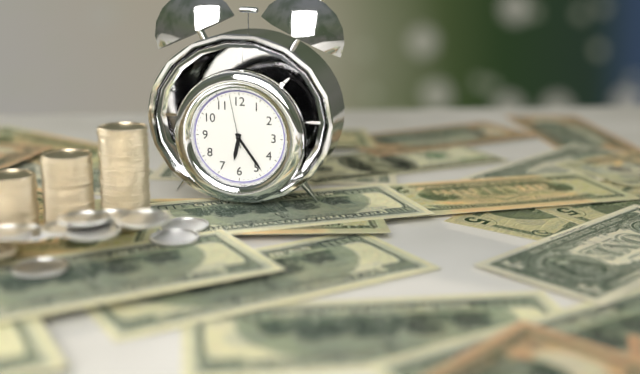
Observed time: 6:24:58
